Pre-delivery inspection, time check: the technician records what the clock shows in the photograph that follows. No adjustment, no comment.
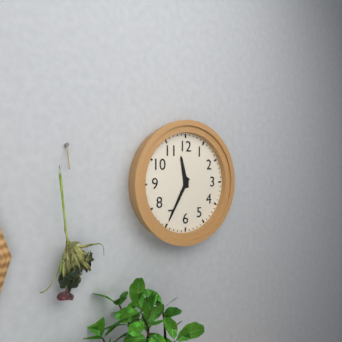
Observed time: 11:35
